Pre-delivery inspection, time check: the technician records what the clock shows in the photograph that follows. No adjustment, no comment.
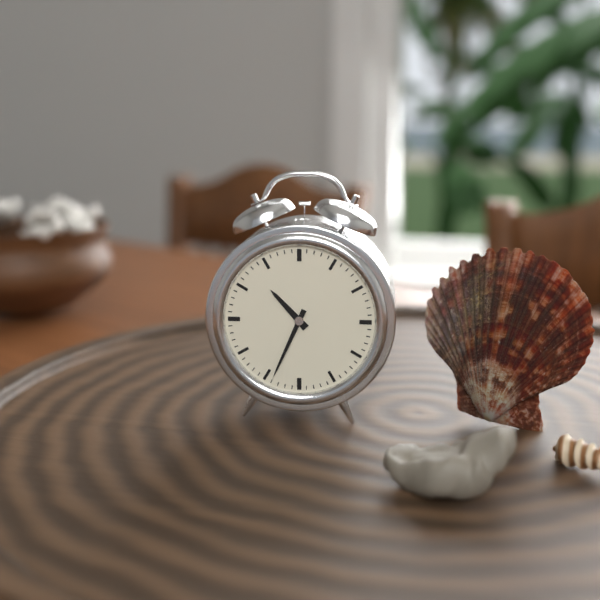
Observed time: 10:34
